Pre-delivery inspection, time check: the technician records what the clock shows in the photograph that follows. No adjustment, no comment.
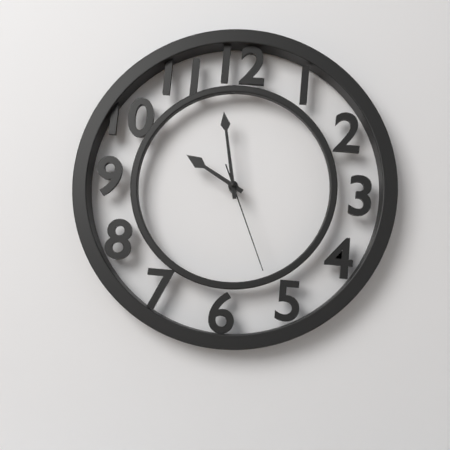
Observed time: 9:58:26
